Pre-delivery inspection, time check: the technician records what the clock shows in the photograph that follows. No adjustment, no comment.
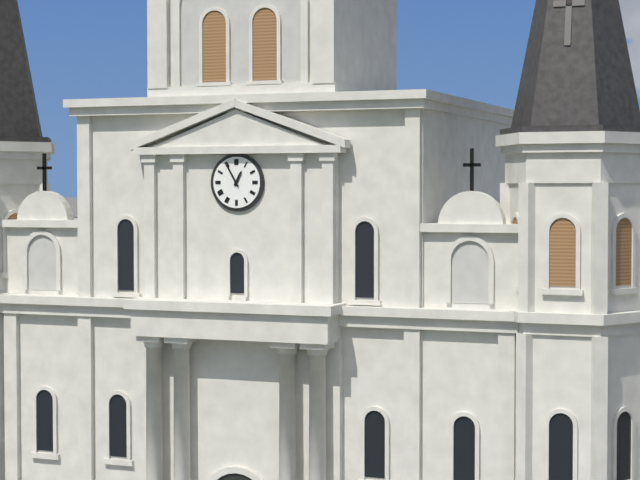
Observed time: 12:55
